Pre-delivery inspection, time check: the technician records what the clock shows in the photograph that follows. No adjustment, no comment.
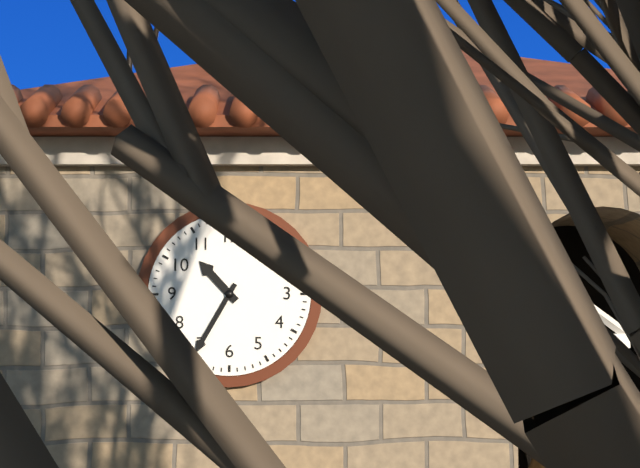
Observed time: 10:35
